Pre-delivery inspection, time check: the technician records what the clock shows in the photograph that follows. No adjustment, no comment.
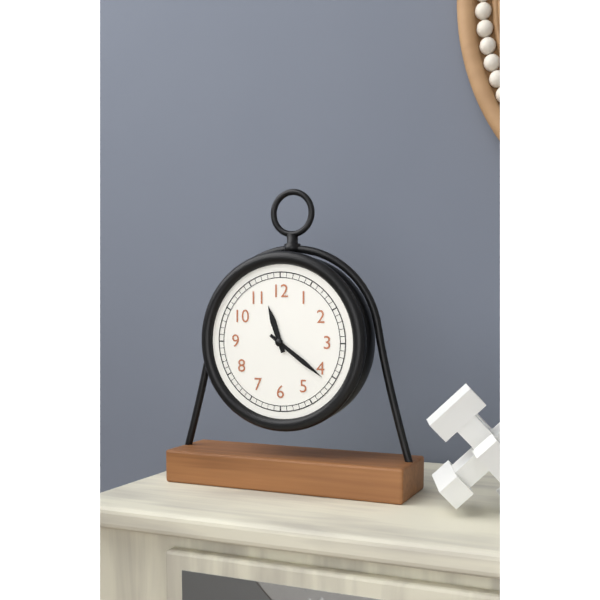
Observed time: 11:21
